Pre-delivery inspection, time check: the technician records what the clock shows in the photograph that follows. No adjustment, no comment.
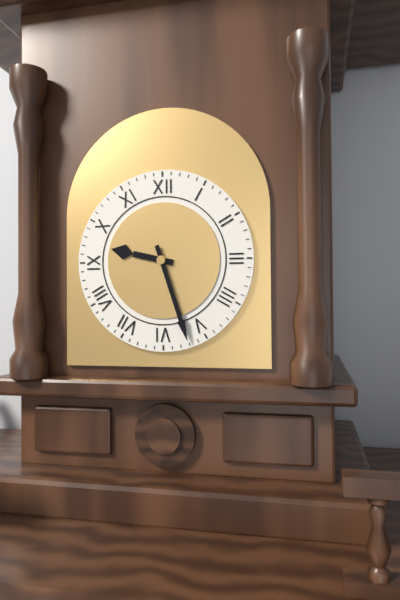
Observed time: 9:27
